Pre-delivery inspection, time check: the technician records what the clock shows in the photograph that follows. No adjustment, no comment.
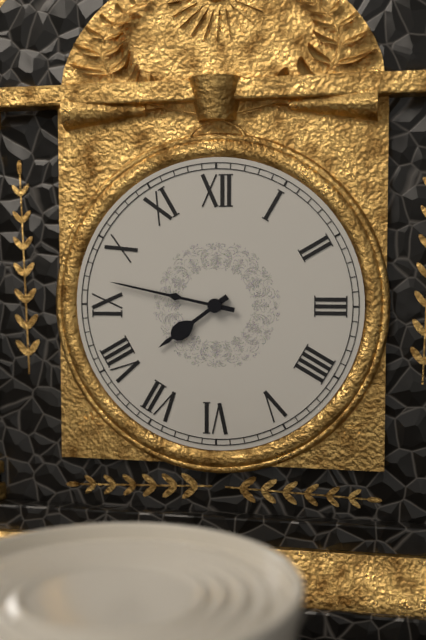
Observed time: 7:47
